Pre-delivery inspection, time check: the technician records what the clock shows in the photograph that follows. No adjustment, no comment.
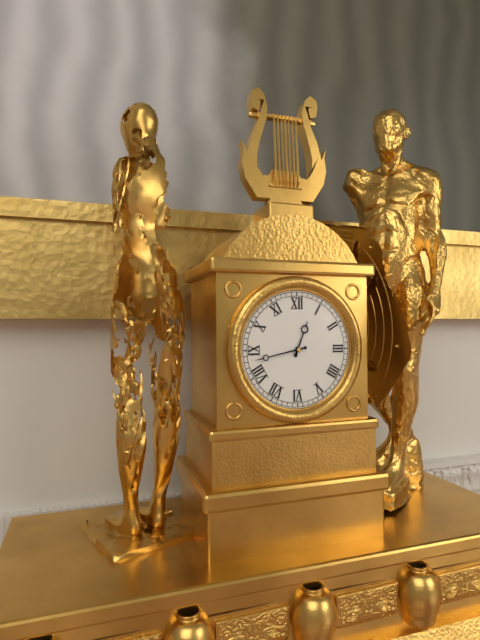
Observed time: 12:43
